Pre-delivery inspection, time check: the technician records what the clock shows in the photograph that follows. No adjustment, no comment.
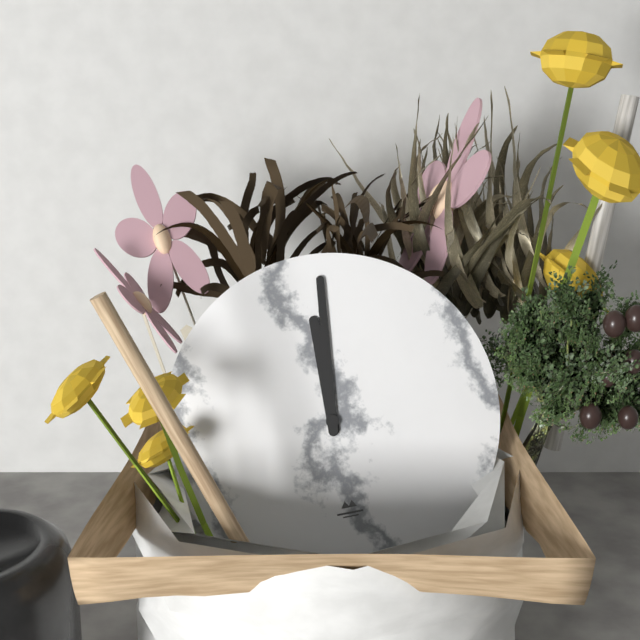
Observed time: 12:01
